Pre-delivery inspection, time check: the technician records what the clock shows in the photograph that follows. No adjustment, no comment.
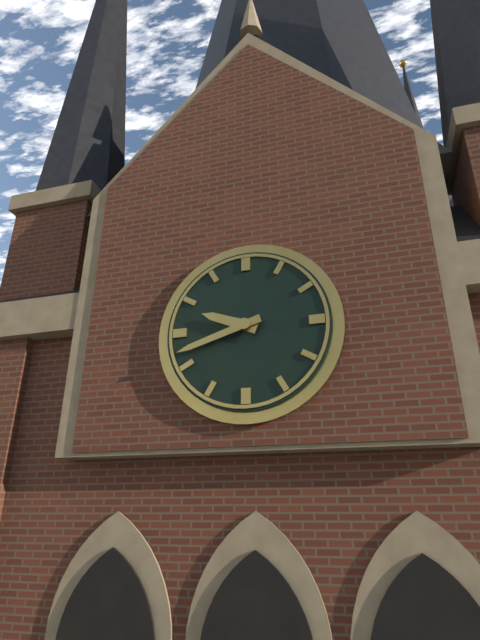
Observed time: 9:42
